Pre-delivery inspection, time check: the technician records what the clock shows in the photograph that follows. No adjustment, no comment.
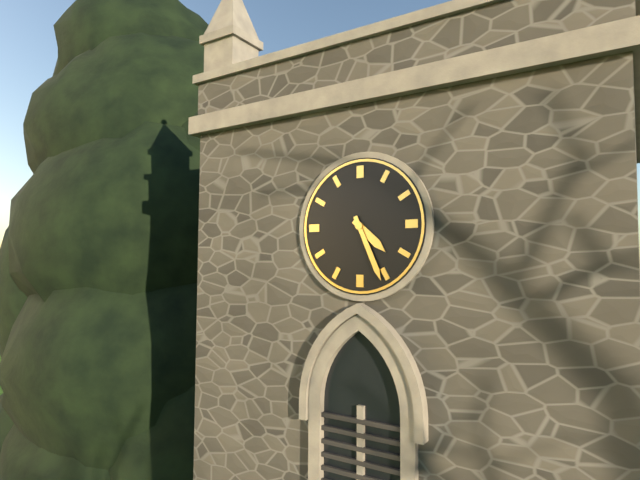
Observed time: 4:26
